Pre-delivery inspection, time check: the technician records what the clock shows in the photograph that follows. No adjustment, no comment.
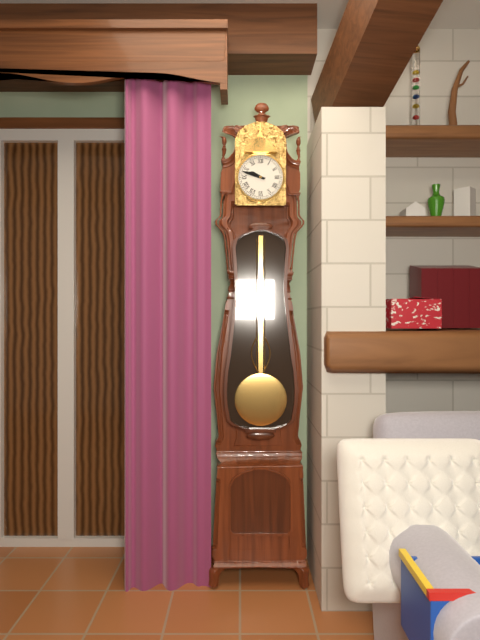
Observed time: 9:48
